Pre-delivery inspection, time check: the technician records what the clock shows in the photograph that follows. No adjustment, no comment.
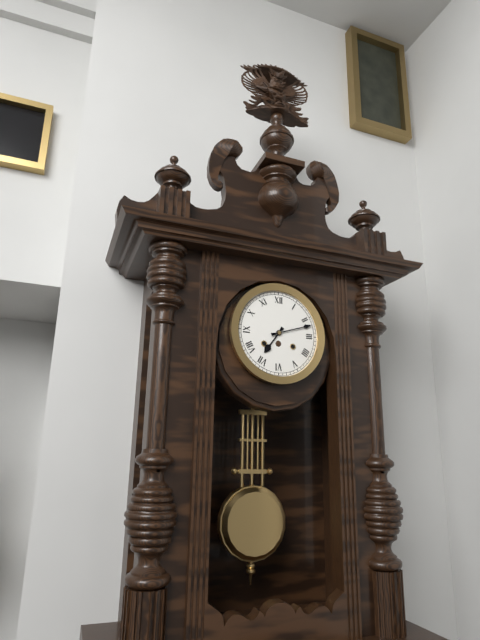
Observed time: 7:12
